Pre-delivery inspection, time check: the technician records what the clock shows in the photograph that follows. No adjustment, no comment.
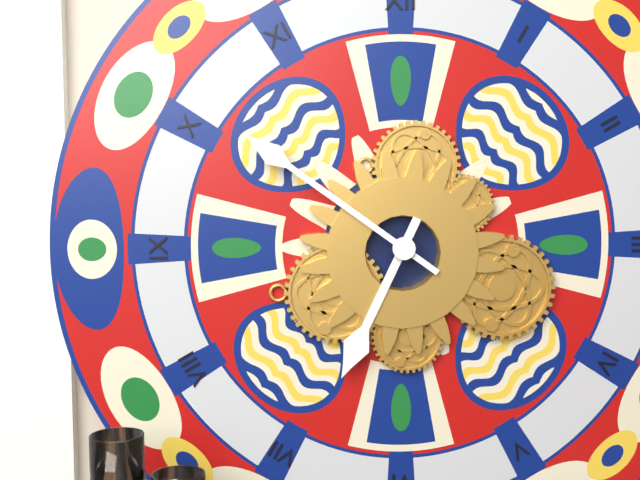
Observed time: 6:51
